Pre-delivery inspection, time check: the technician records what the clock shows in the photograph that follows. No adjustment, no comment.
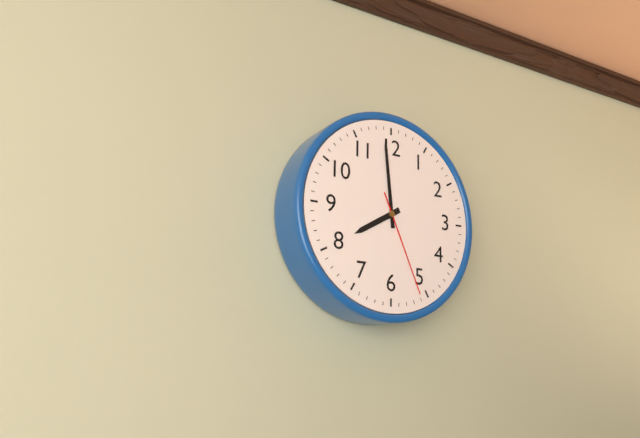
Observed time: 7:59:26
